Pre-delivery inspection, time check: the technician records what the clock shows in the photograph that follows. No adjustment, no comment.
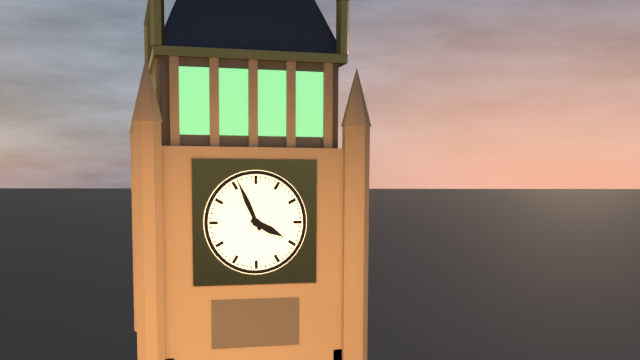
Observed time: 3:56
